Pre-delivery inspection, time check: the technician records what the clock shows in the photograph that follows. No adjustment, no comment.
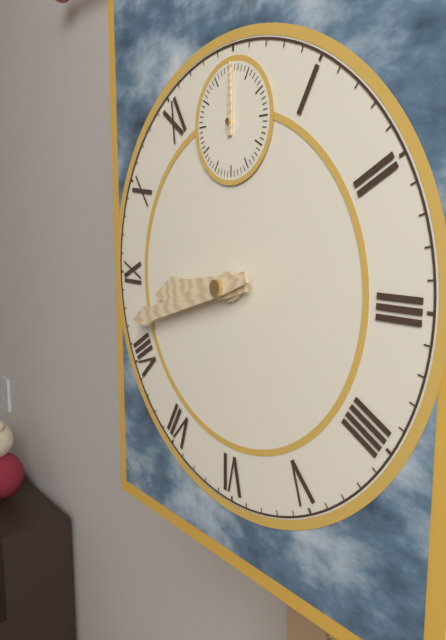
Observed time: 8:42:00
